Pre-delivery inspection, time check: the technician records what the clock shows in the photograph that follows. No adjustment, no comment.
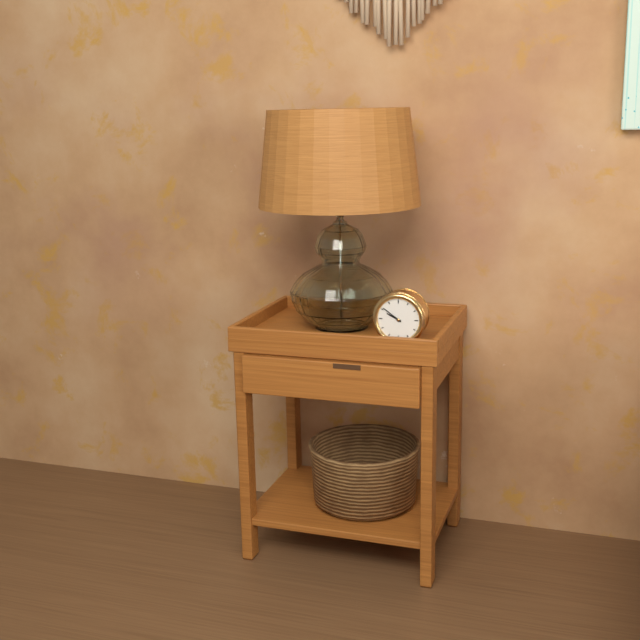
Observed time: 9:51
